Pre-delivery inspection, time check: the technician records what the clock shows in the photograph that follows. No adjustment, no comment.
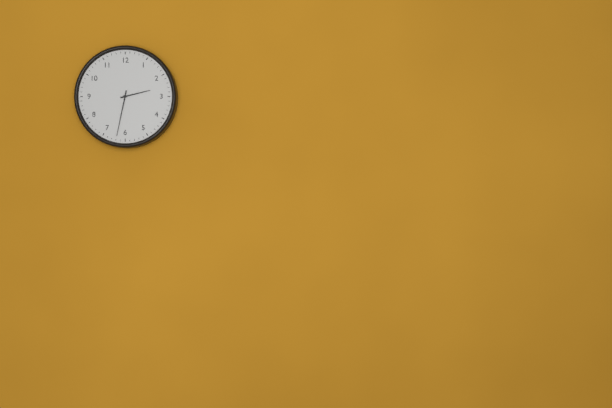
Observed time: 2:32
